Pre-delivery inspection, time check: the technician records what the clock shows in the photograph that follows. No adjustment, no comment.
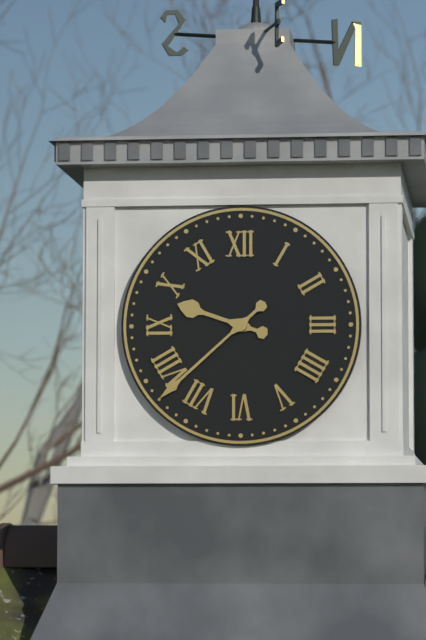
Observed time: 9:38
